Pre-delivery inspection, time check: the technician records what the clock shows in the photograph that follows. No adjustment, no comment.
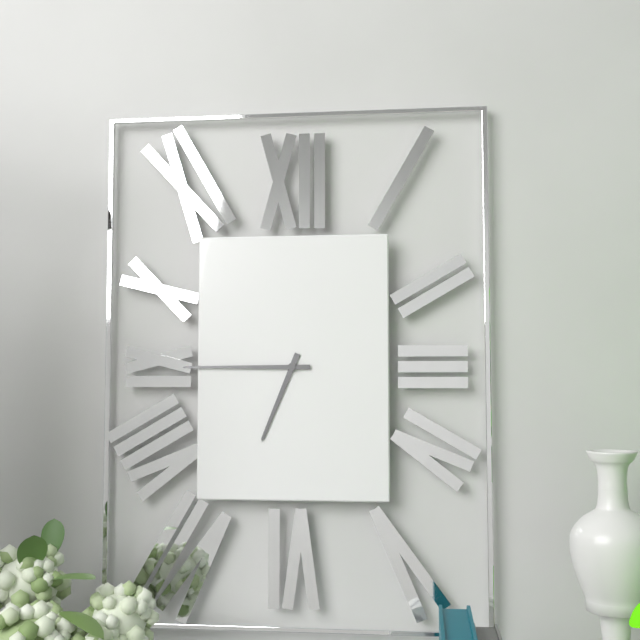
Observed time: 6:45
